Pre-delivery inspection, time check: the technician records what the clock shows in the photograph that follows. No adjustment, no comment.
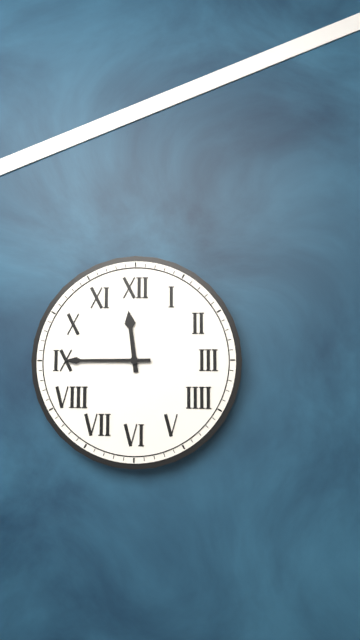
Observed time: 11:45
